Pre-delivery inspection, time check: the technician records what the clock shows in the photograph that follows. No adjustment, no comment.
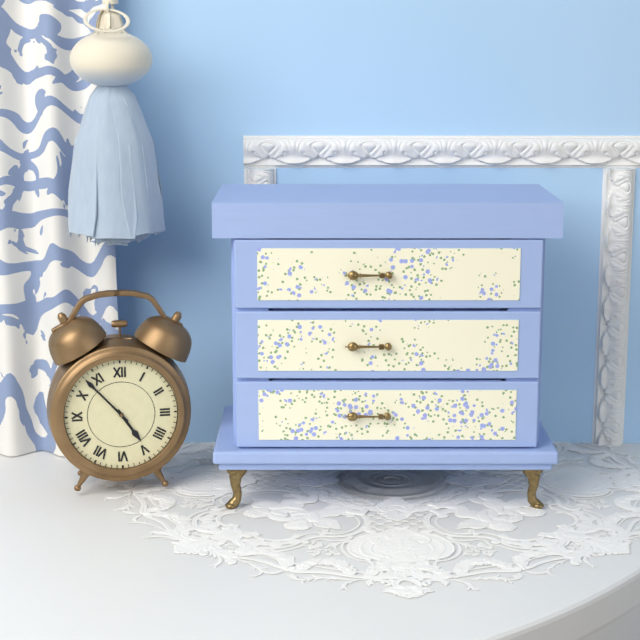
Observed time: 4:53
